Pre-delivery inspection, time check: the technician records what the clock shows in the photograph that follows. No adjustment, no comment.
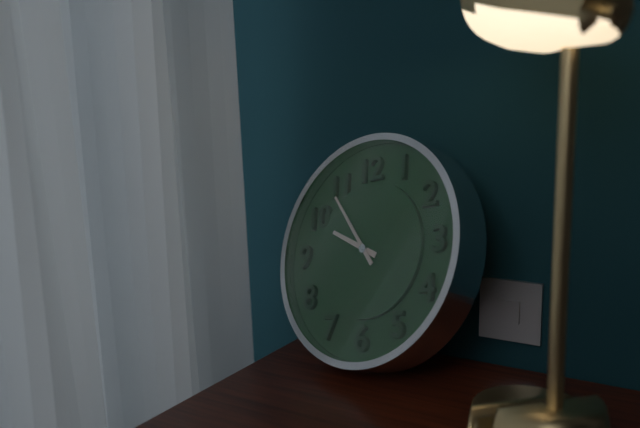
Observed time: 9:54
